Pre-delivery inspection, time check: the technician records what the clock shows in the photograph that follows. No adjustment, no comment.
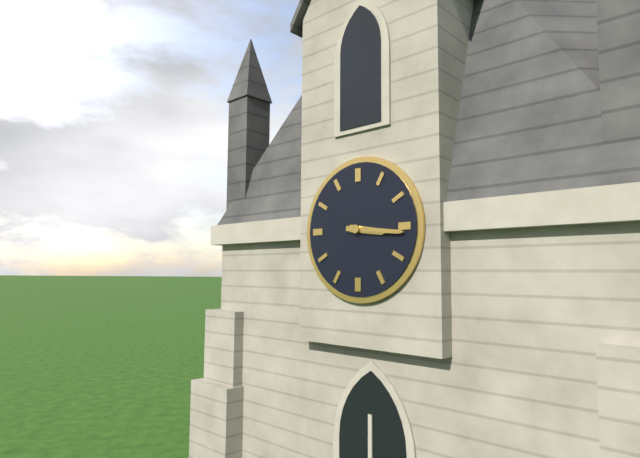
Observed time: 3:16
